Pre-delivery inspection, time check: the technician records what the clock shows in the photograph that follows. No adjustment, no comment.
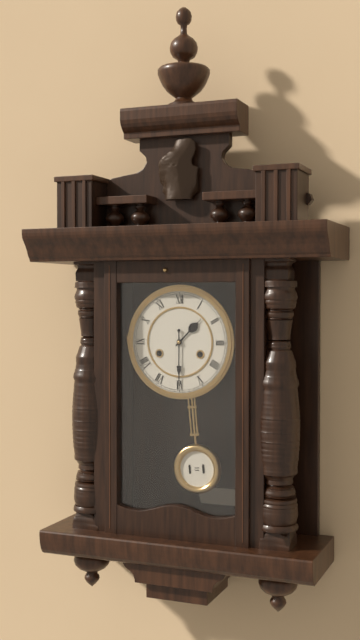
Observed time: 1:30
